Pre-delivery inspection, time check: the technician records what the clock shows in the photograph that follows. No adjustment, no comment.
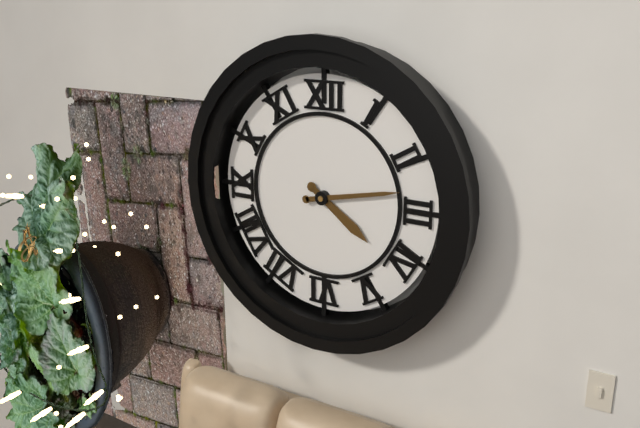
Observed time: 4:13
